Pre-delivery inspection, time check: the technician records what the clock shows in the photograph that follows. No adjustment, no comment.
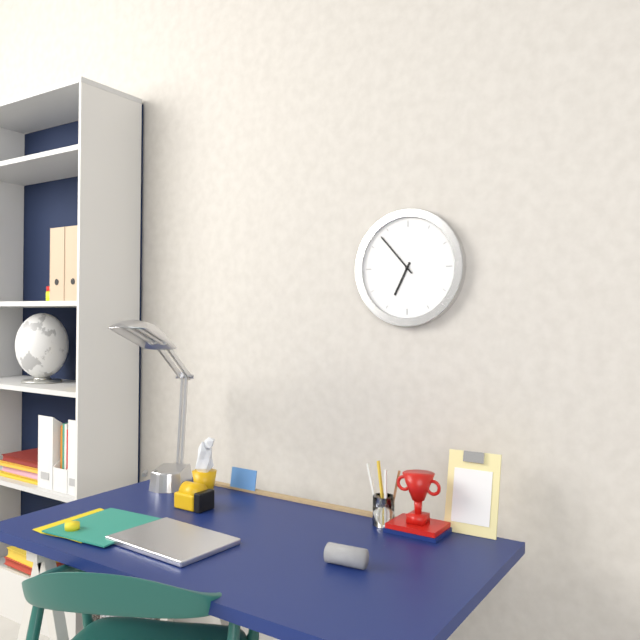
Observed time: 6:53
